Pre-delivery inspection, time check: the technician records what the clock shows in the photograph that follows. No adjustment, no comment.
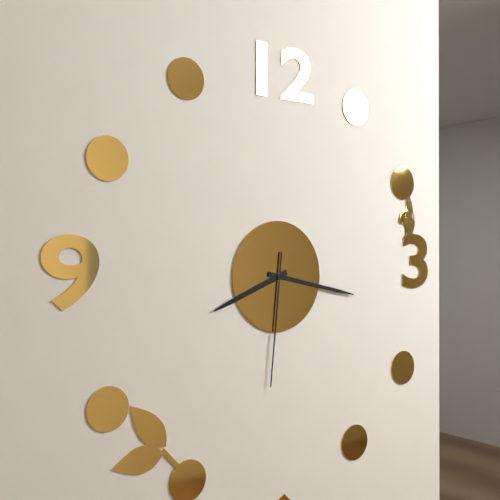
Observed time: 8:17:31
